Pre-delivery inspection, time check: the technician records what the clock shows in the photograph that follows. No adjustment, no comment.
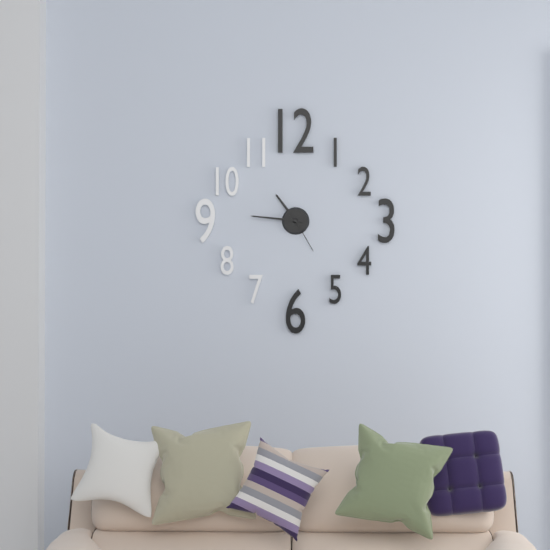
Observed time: 10:46
